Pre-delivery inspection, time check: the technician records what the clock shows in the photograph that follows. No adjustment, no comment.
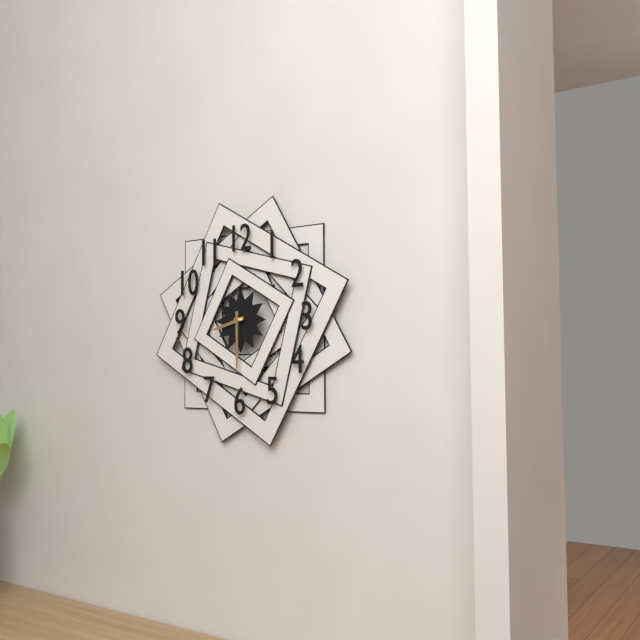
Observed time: 8:30
